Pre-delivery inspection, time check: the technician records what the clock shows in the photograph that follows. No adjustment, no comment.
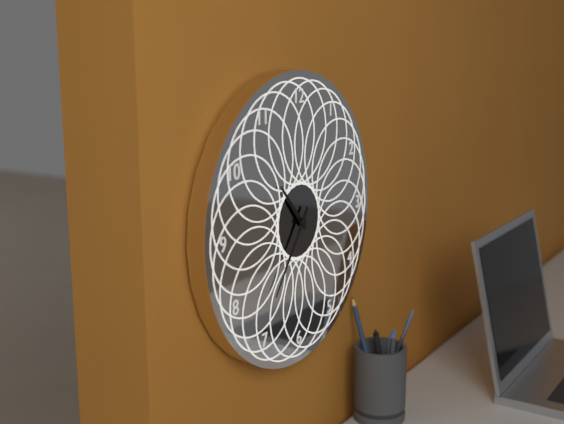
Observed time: 10:36
